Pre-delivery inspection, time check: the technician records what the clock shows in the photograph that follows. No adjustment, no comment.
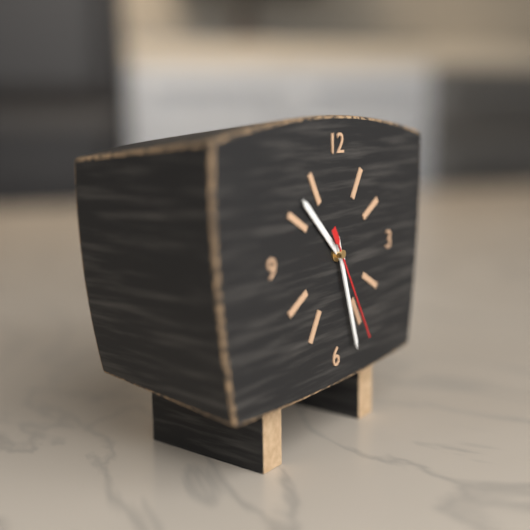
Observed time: 10:27:25
